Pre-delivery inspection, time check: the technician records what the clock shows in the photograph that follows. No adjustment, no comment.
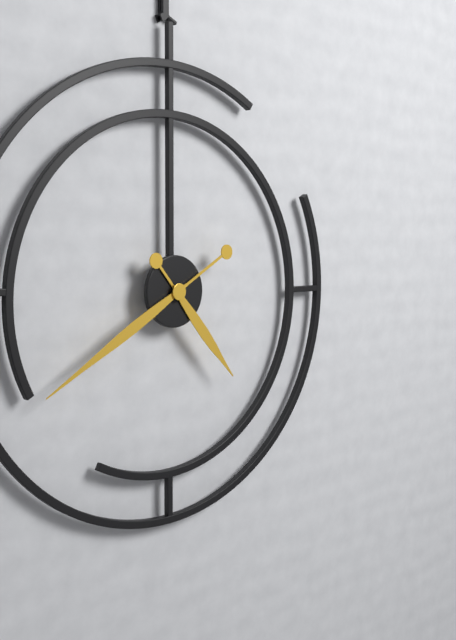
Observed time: 4:40
